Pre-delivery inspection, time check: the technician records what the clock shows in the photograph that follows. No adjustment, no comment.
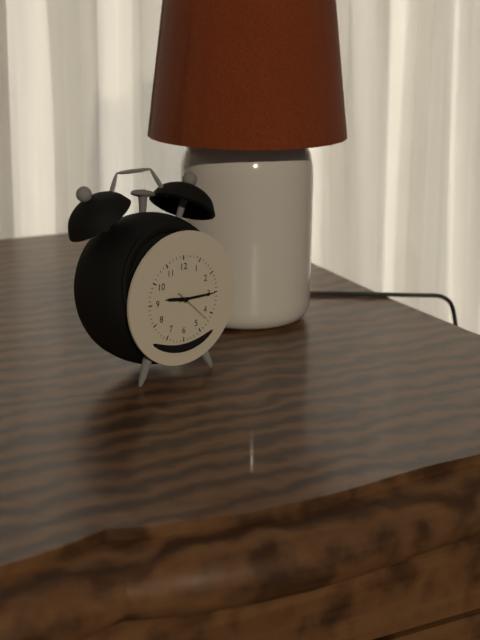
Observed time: 9:15
